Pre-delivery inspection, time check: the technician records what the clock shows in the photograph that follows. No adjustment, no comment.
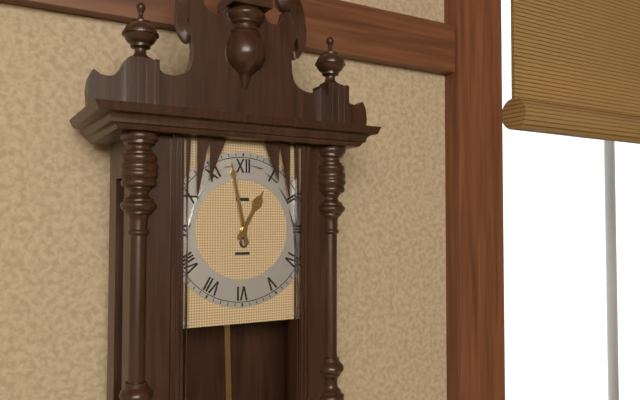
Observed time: 12:58
